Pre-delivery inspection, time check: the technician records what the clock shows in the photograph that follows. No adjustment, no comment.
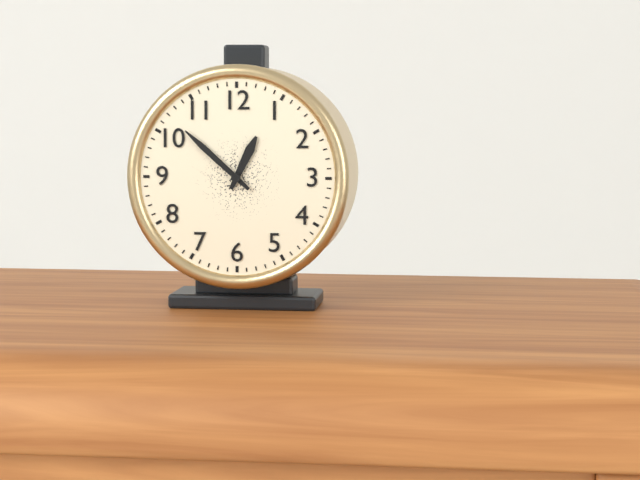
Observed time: 12:52
